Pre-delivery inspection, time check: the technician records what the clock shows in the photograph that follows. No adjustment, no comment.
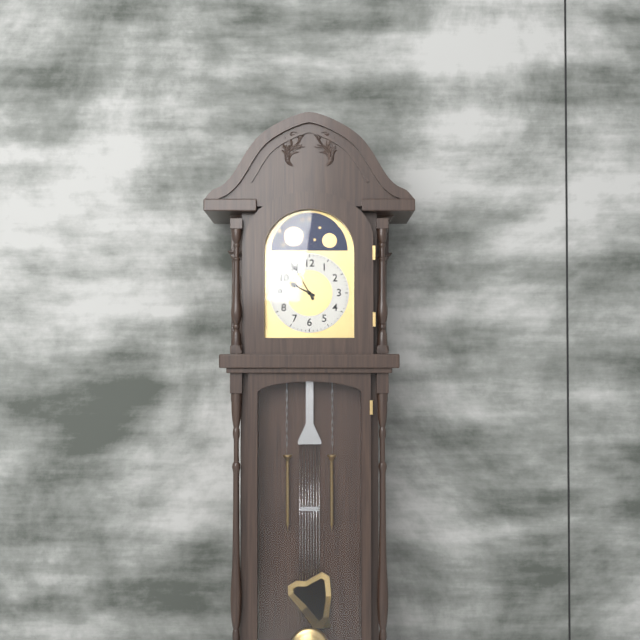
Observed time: 9:55
